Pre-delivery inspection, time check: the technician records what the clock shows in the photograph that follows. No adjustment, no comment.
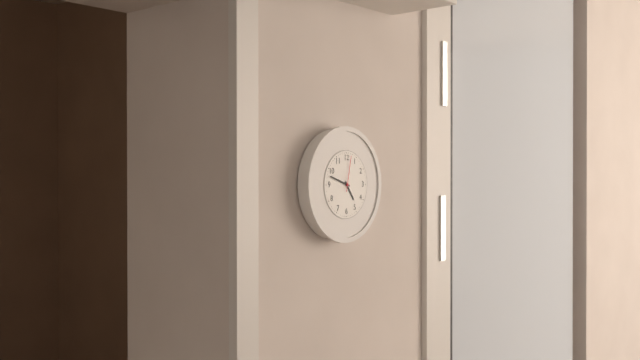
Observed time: 4:48
